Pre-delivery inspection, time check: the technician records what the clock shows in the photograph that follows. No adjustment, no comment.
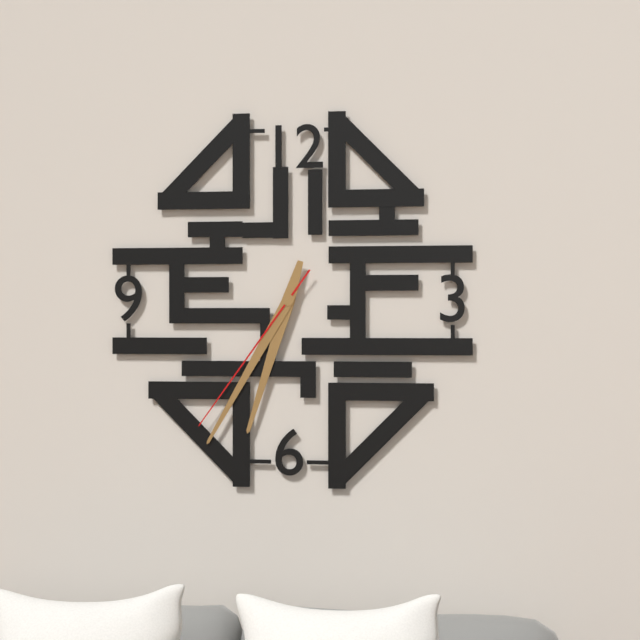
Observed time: 6:35:36
